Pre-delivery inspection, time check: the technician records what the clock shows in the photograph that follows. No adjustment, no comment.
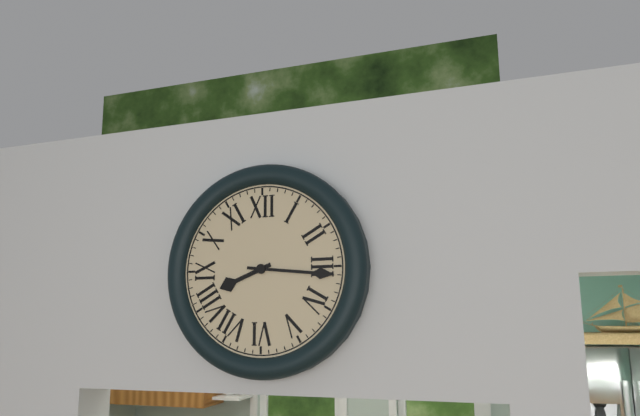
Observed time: 8:16
